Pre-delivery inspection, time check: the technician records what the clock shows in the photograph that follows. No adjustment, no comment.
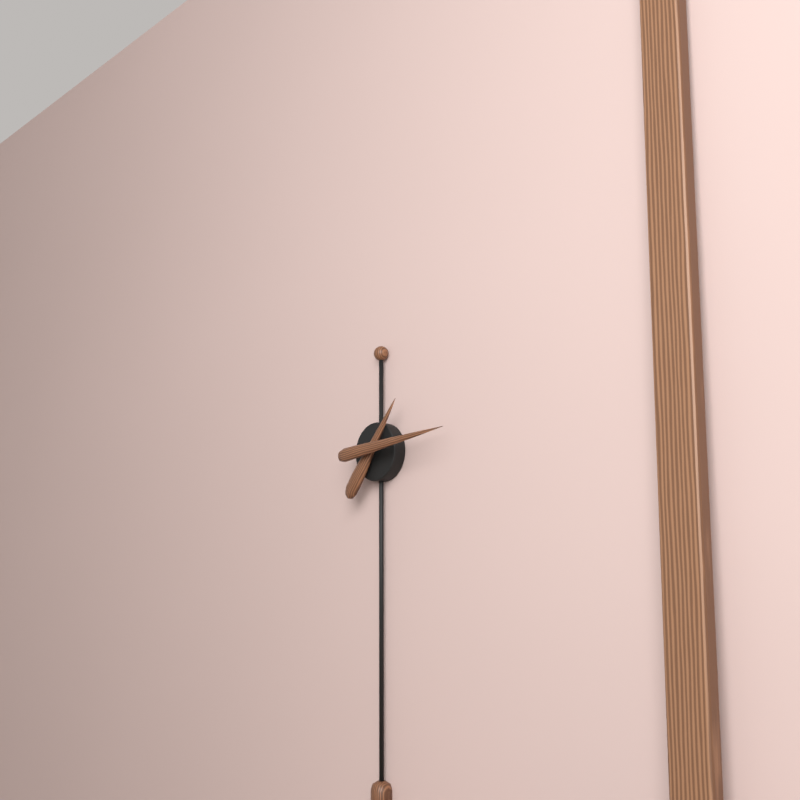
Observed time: 1:14
